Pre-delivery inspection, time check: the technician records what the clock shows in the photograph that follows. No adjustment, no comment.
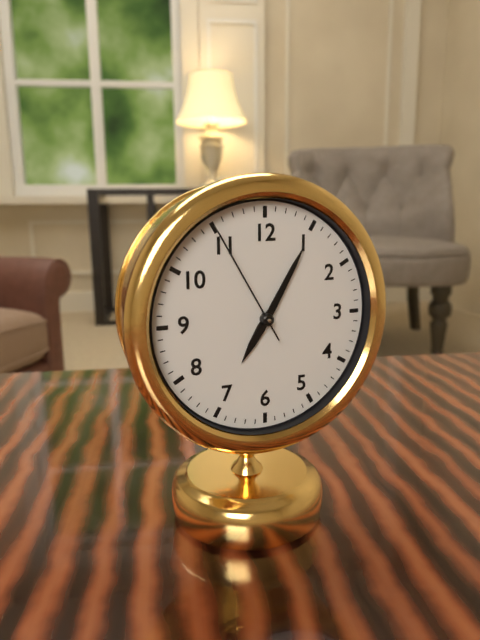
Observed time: 7:05:55
